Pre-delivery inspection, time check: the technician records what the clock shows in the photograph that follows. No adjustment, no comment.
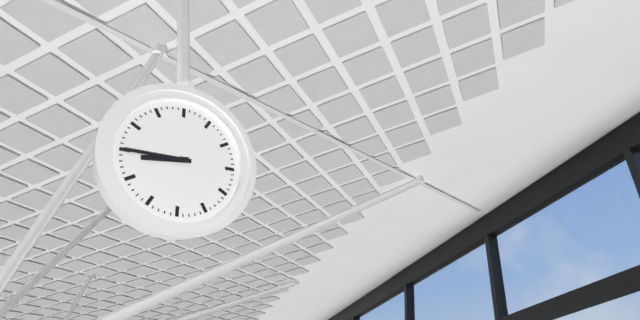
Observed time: 8:45
